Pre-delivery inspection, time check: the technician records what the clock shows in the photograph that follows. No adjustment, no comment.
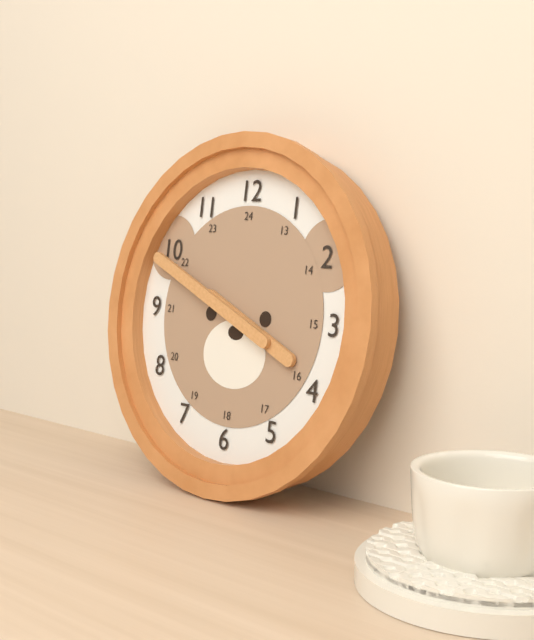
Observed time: 3:49
